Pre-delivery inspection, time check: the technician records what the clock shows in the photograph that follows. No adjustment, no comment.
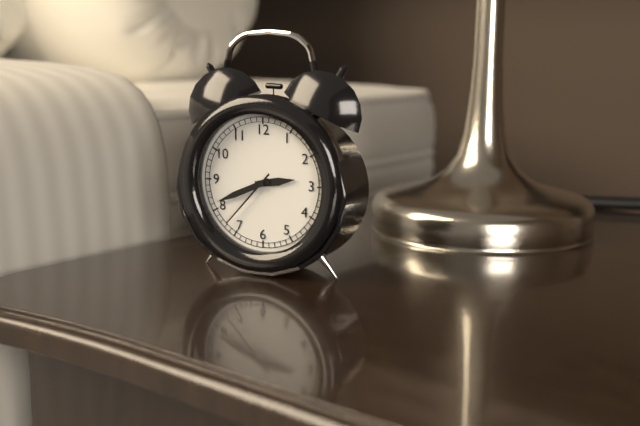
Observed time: 2:41:37
